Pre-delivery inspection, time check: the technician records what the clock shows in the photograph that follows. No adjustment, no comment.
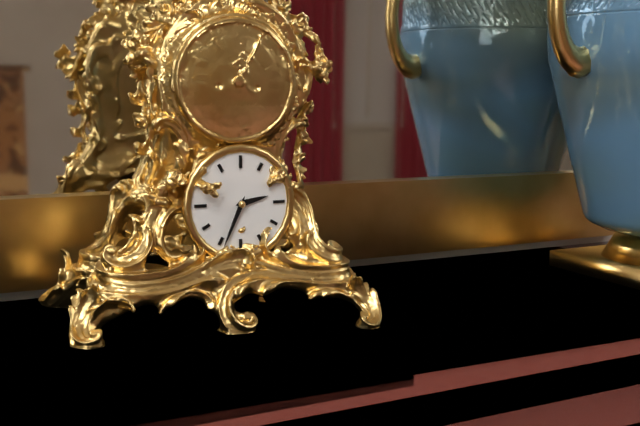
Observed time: 2:34
